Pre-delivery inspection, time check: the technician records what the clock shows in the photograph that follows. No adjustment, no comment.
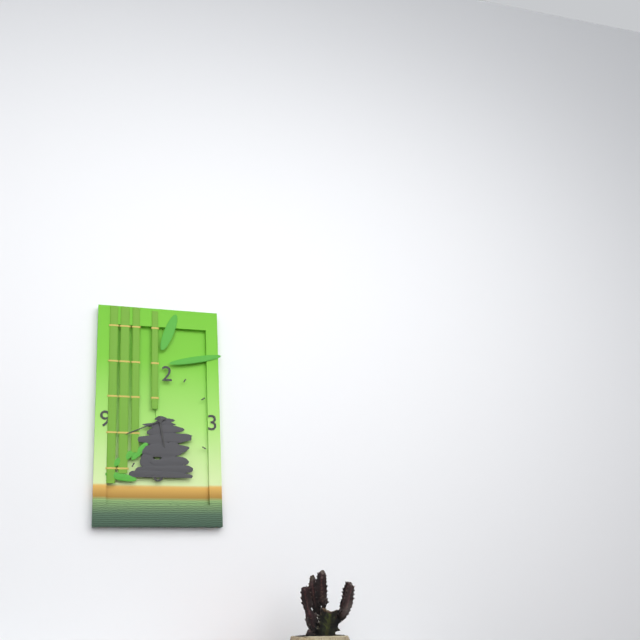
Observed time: 5:41
